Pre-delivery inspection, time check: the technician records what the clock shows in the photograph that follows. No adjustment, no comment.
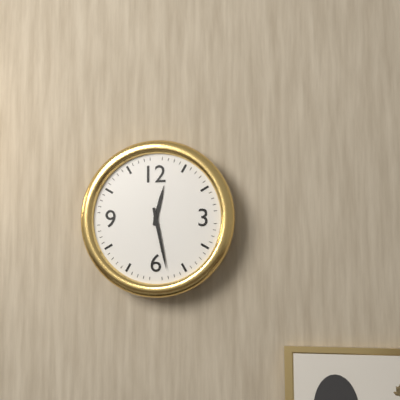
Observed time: 12:28
